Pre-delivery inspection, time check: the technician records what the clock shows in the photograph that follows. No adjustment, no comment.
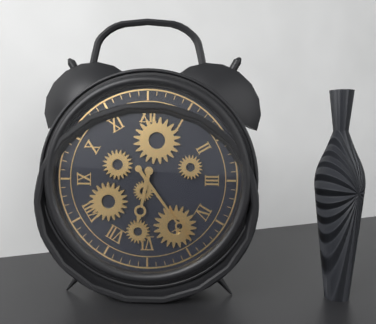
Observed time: 6:24
